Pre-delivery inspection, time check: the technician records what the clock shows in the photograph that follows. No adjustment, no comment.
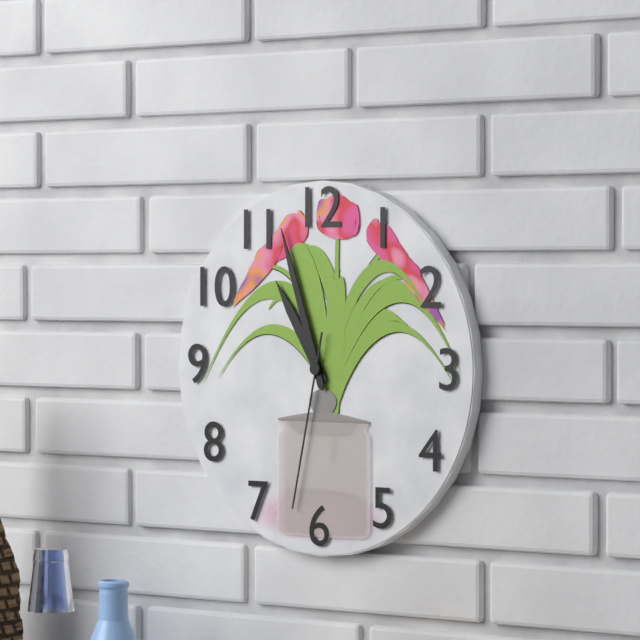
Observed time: 10:57:32
